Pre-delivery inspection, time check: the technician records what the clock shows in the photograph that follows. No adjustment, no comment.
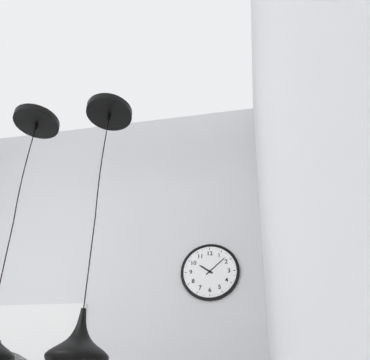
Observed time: 10:08
